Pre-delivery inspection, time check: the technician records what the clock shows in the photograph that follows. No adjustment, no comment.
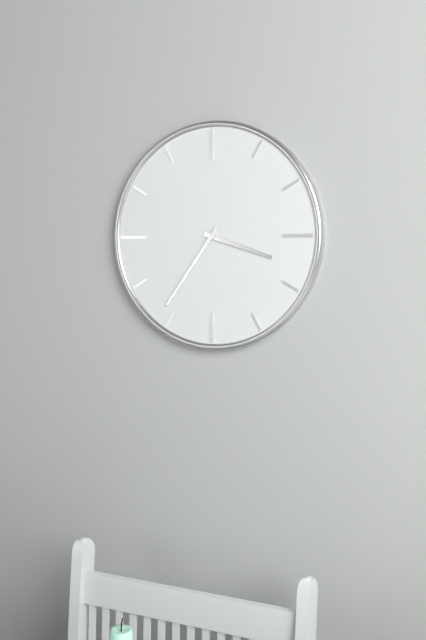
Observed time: 3:36
